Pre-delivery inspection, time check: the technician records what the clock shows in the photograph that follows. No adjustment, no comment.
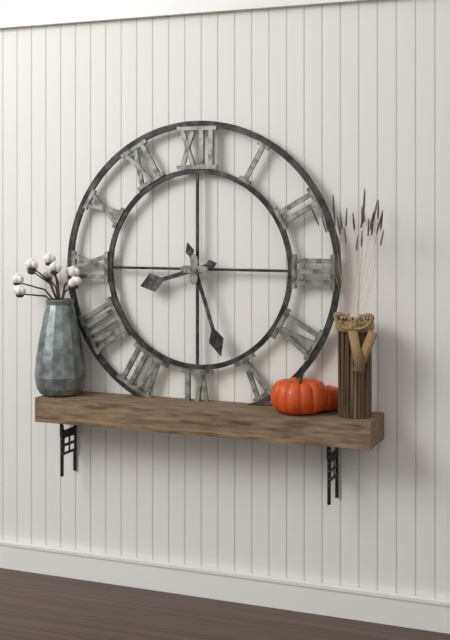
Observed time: 8:27
